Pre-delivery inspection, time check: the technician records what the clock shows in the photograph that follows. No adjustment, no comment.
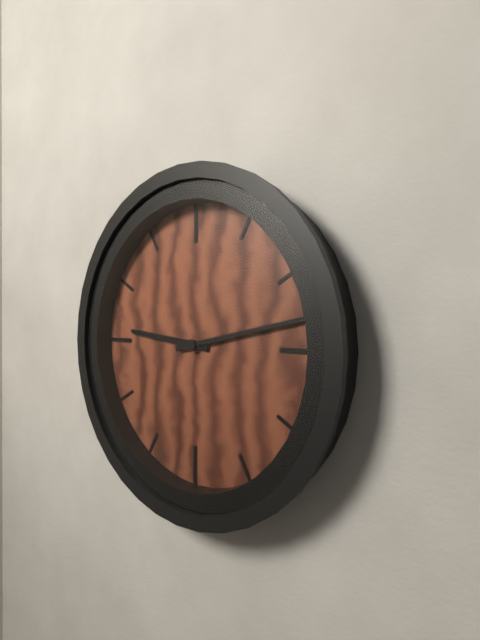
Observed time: 9:13
